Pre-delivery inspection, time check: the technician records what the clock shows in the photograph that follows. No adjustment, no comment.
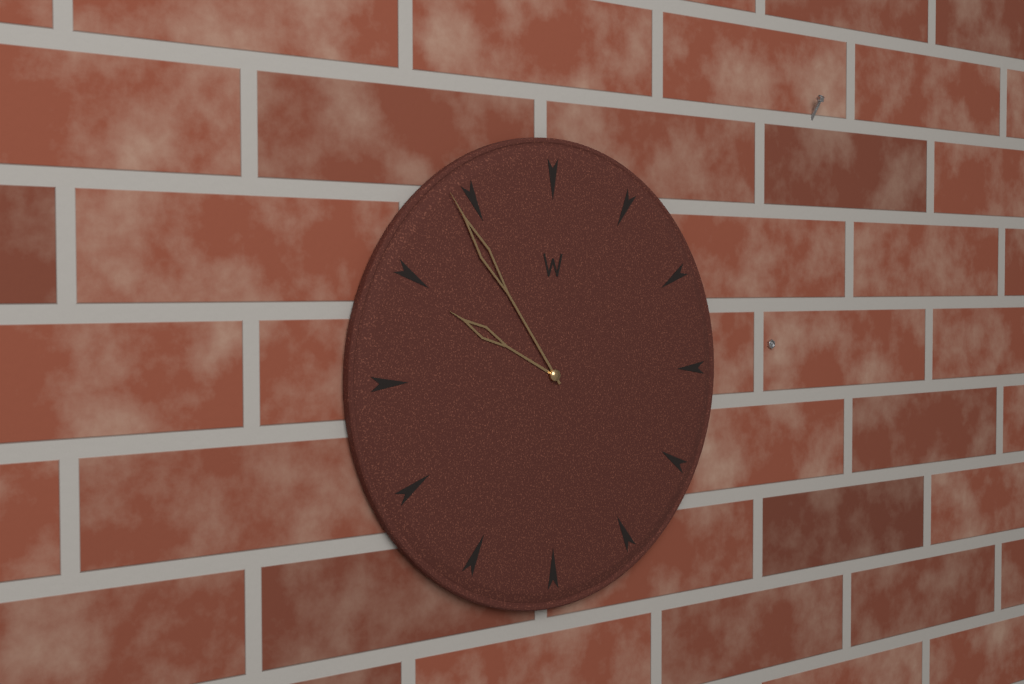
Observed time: 9:54
